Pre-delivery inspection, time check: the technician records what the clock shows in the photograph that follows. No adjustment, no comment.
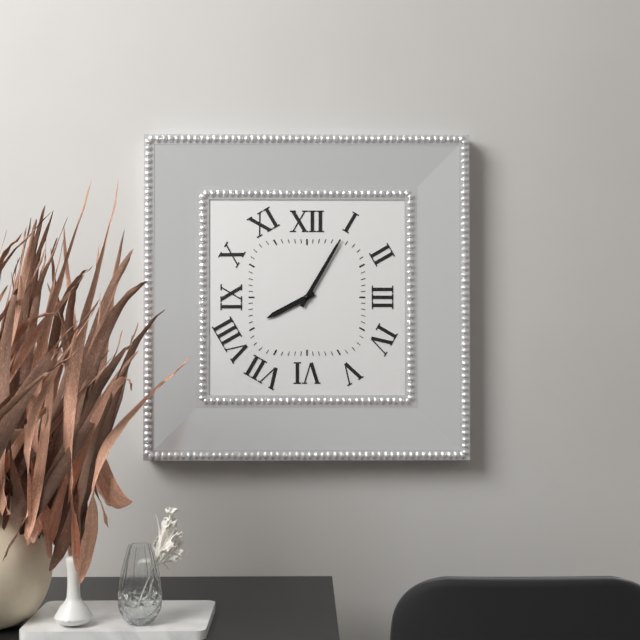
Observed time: 8:05
